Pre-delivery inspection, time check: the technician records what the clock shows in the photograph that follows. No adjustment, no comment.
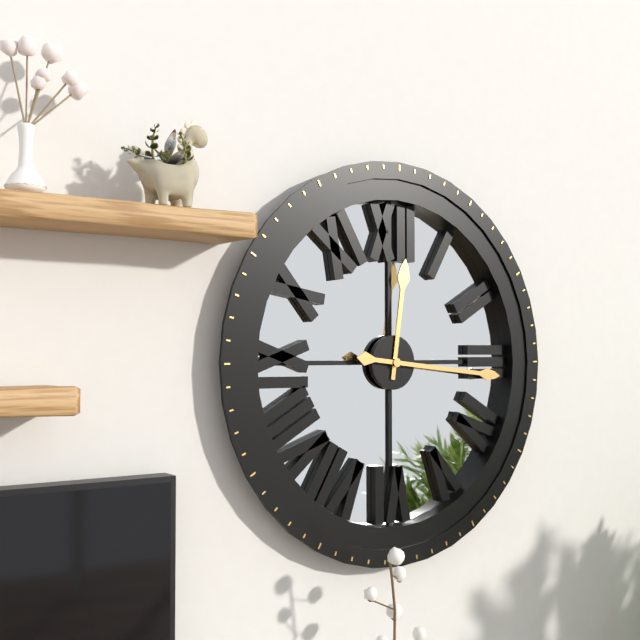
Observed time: 12:16
